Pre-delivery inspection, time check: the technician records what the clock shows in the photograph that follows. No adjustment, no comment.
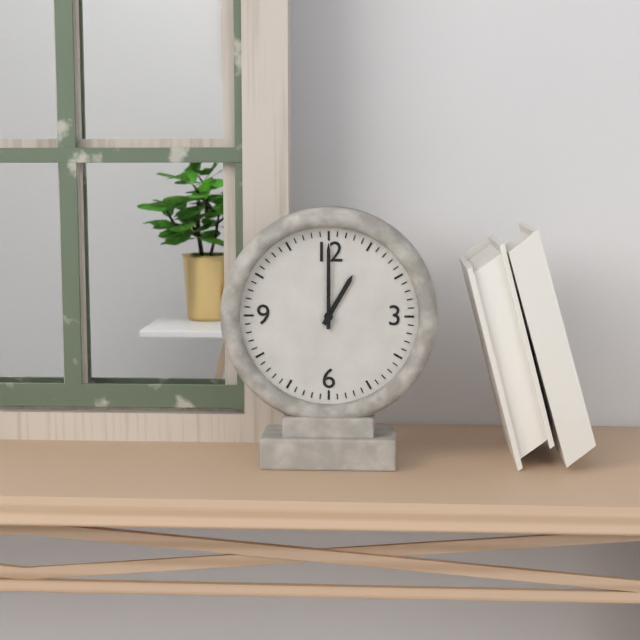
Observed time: 1:00
